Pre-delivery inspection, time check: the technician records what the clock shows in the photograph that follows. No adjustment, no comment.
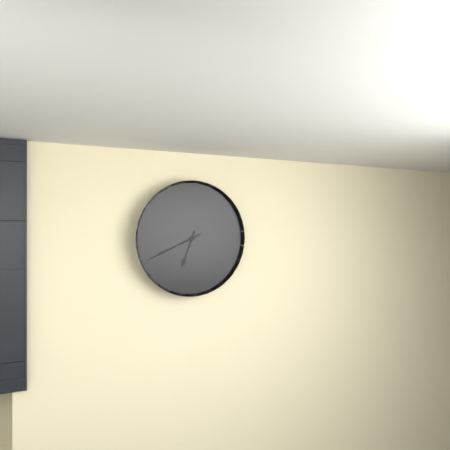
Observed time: 6:41
